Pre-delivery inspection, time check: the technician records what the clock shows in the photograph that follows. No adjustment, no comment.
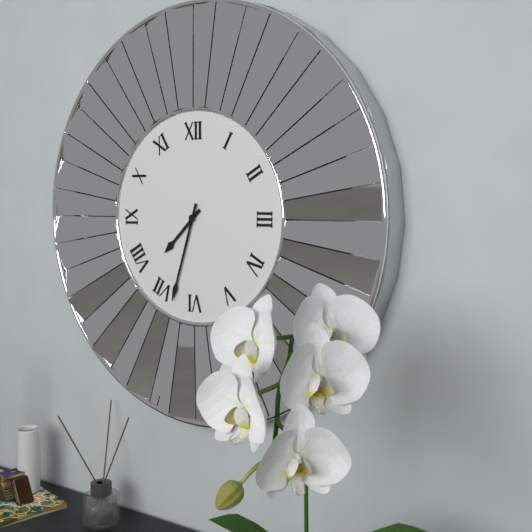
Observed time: 7:33
